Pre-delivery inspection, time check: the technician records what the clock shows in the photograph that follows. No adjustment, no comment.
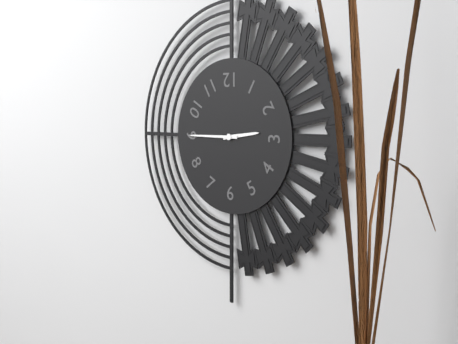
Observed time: 2:45
